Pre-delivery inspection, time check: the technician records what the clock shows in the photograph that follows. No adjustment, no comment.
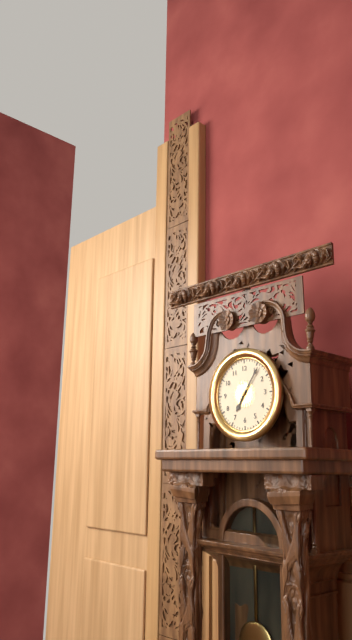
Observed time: 7:06
